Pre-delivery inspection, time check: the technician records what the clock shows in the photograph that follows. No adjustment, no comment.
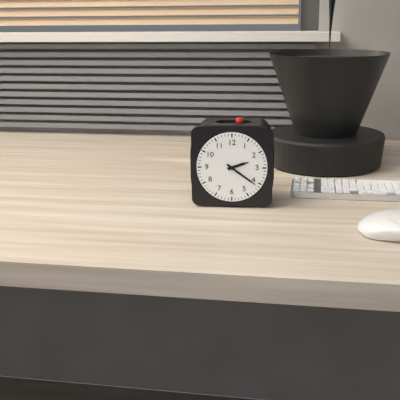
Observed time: 2:21
